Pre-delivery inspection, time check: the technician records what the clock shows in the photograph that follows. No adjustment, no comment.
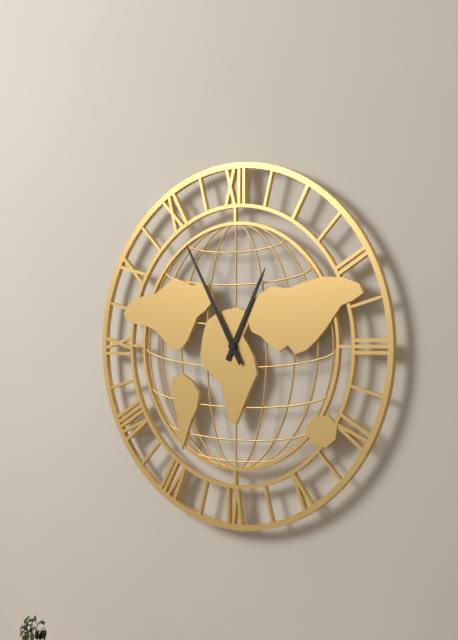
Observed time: 12:55
